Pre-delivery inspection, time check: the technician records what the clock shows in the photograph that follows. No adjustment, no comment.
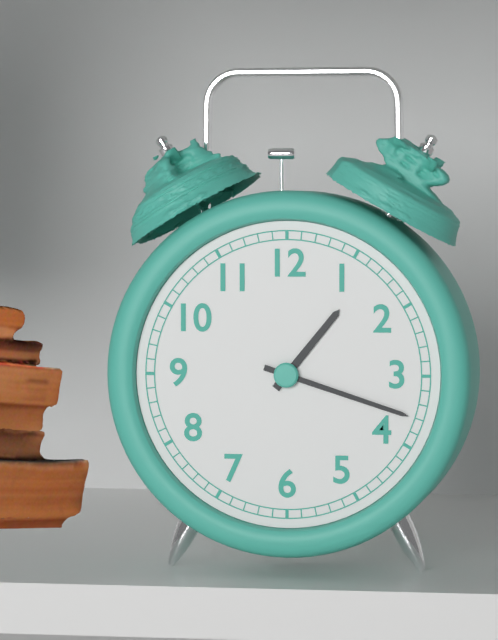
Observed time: 1:18
